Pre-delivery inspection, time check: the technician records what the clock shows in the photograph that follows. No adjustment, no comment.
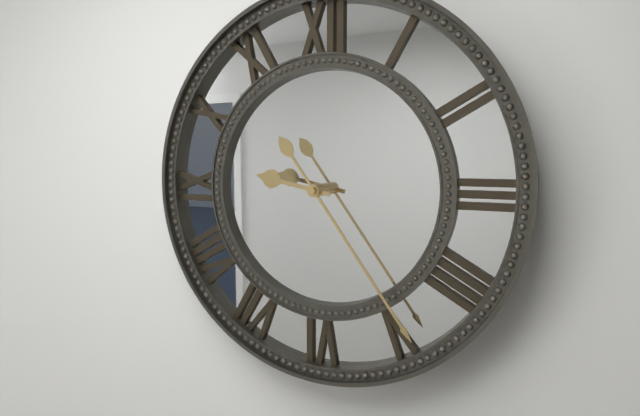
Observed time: 9:24
